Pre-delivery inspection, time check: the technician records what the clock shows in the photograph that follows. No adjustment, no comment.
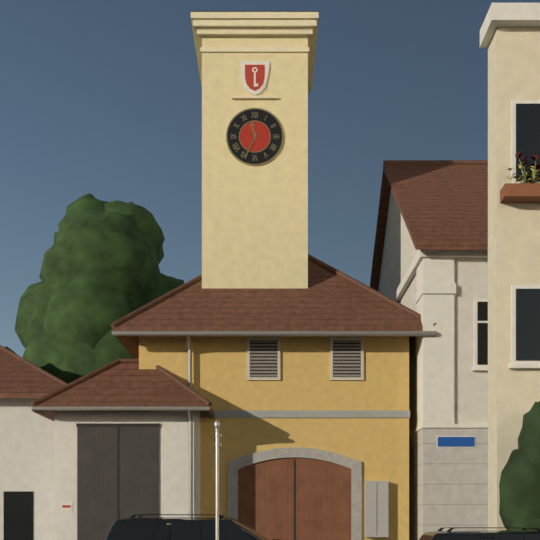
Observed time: 11:34
